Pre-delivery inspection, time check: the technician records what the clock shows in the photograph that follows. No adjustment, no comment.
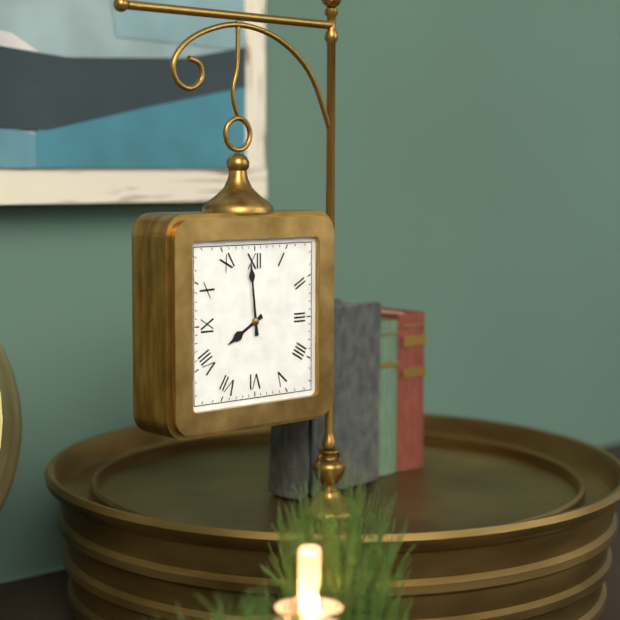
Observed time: 7:59
